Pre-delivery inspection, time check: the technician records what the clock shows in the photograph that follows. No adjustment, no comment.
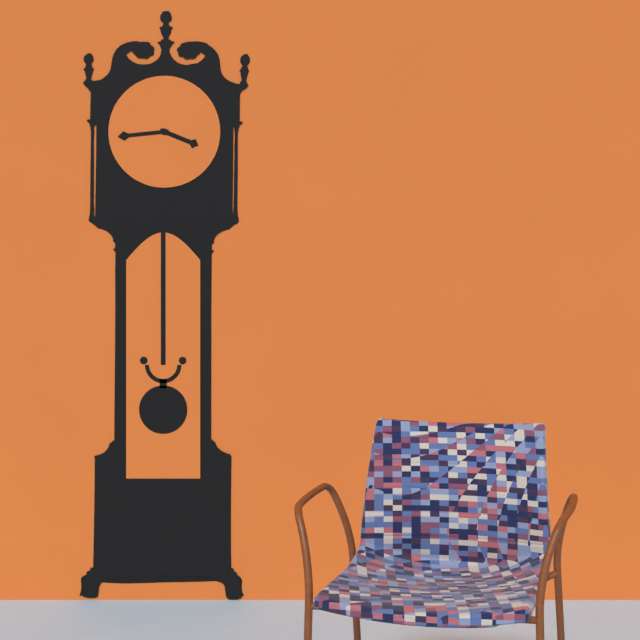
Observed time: 3:44
